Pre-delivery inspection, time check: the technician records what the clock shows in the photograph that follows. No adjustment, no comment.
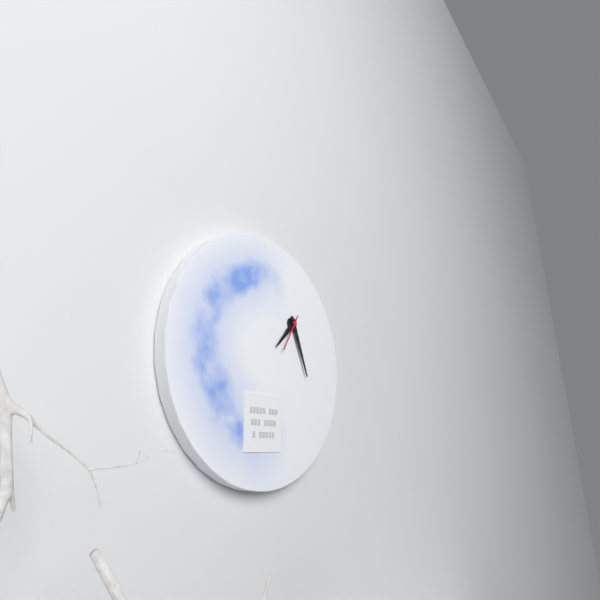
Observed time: 7:26
